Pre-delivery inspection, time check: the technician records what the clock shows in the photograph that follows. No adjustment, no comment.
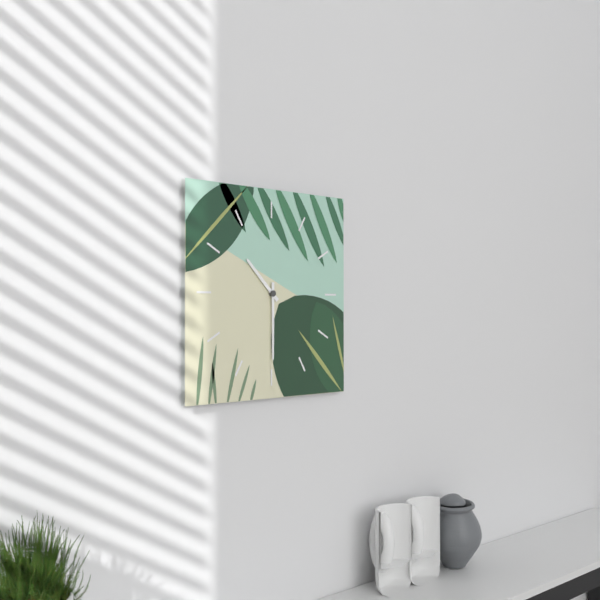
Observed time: 10:30
